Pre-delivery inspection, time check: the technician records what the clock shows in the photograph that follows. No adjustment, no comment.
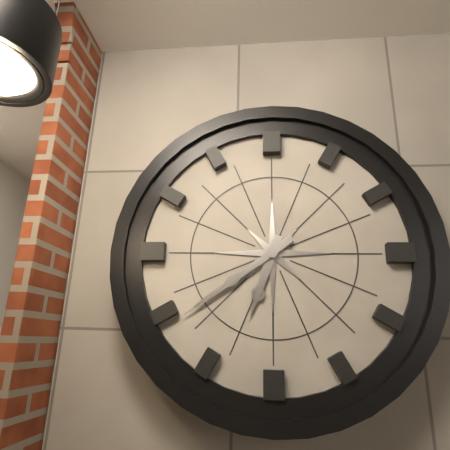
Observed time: 6:39
